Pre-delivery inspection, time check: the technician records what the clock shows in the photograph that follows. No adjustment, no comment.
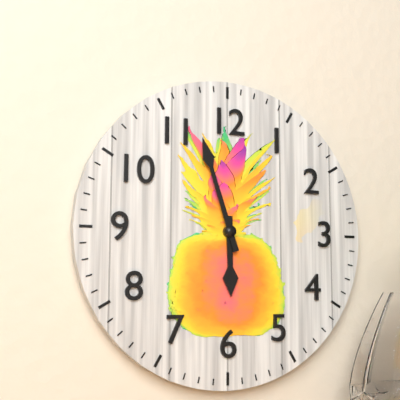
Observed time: 5:57
